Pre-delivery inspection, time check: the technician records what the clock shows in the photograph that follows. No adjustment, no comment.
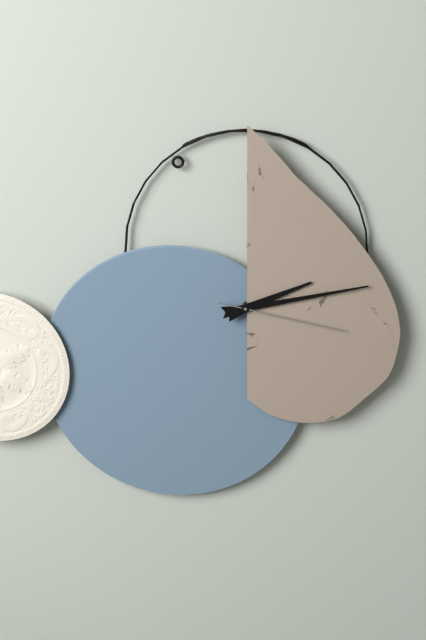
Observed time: 2:13:17
